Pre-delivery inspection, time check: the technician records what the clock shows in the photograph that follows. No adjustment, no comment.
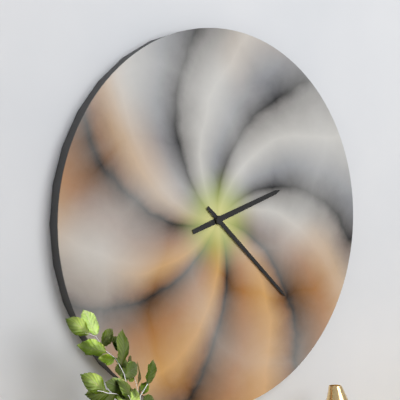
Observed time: 2:22
